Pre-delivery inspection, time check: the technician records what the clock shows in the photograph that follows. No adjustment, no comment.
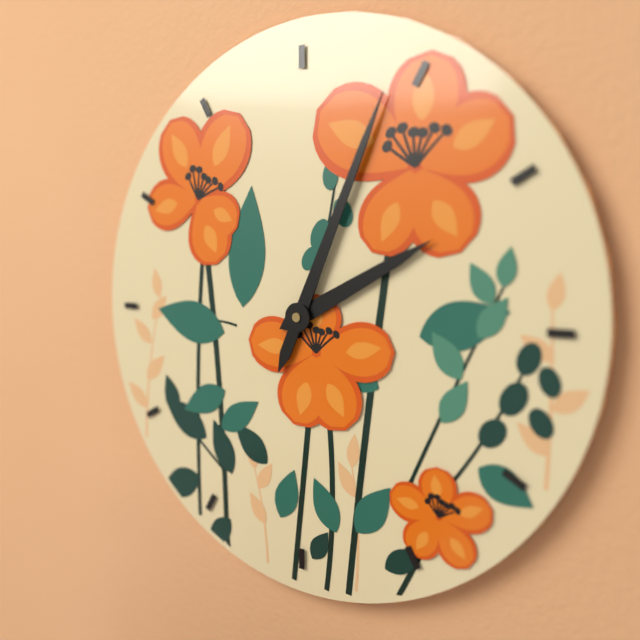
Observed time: 2:04
